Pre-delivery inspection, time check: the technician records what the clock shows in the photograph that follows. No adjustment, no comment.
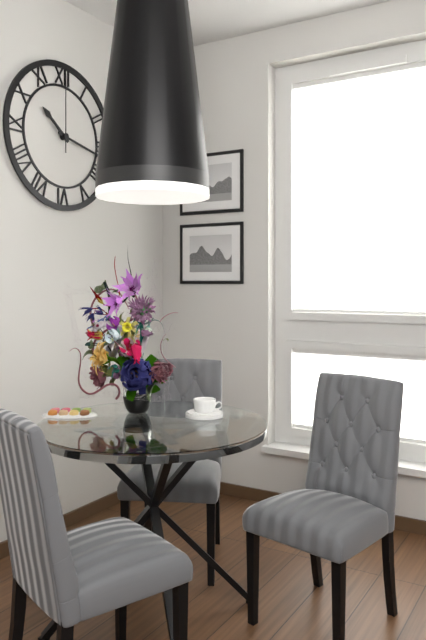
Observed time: 10:17:00
